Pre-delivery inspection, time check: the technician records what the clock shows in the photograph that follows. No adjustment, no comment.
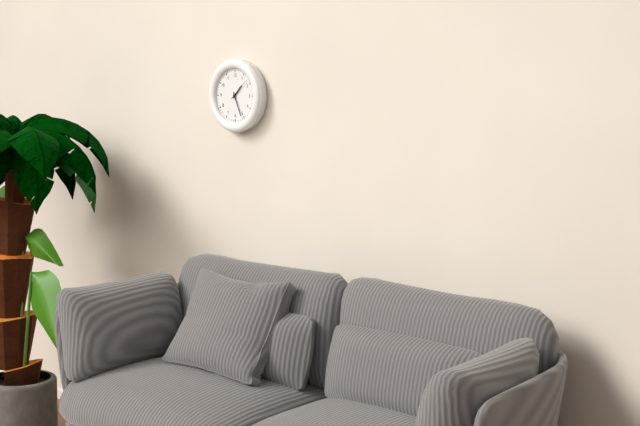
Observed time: 1:26
